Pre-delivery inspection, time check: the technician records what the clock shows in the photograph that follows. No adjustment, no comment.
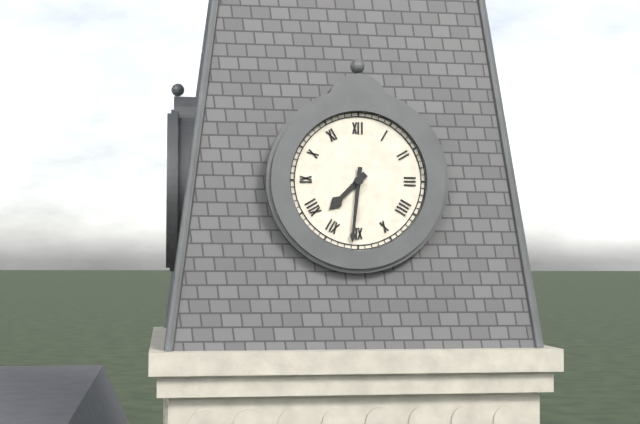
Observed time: 7:31
